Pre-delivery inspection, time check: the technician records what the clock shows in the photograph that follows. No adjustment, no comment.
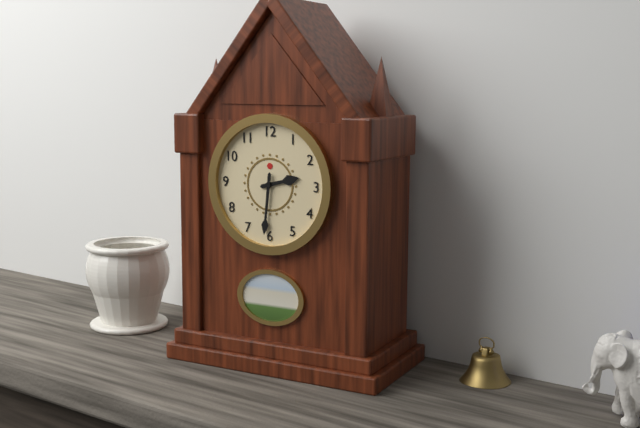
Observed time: 2:31
